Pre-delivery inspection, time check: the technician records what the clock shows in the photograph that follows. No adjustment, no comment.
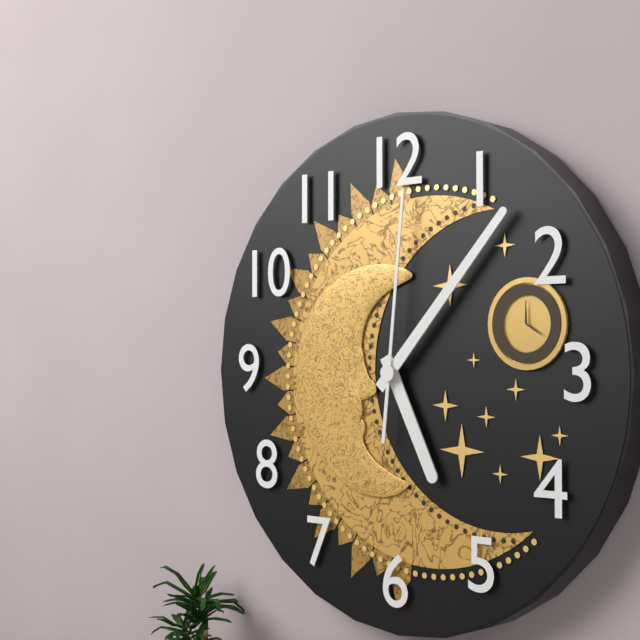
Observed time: 5:07:01
